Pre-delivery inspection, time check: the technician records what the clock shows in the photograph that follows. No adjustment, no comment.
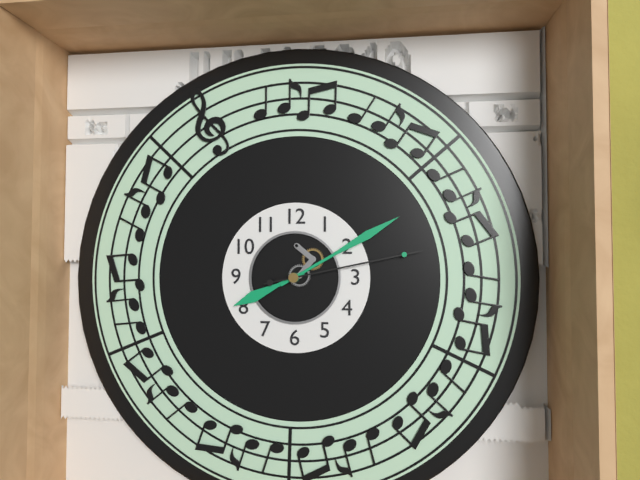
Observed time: 8:10:13
